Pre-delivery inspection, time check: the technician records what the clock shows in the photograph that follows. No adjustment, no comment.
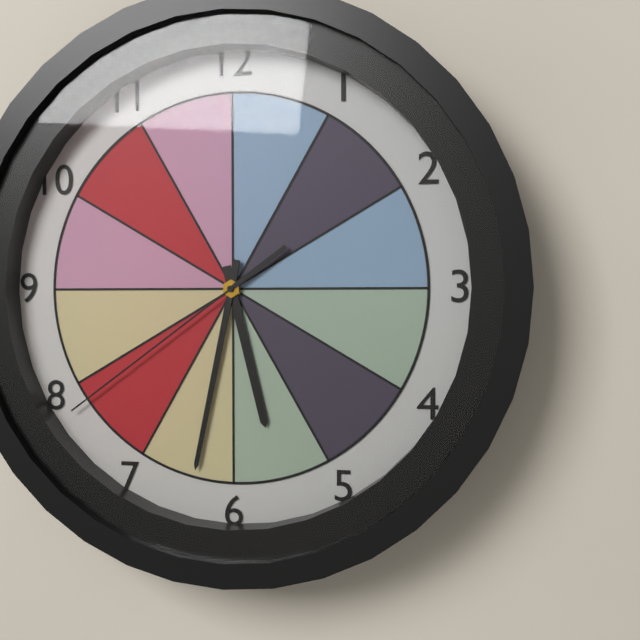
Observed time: 5:32:39
